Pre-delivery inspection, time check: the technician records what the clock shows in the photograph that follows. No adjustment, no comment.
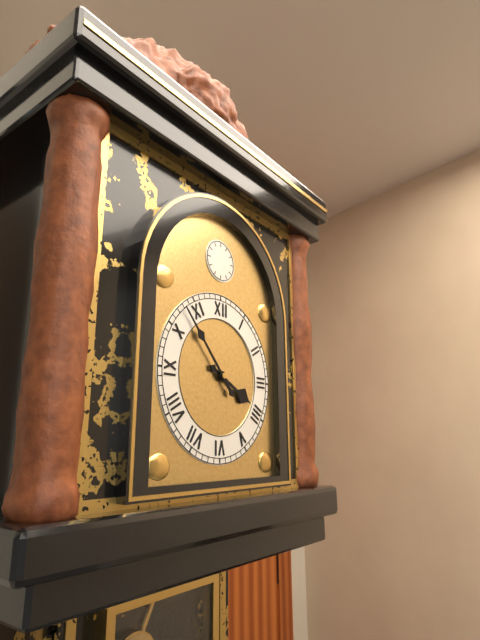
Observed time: 3:53
